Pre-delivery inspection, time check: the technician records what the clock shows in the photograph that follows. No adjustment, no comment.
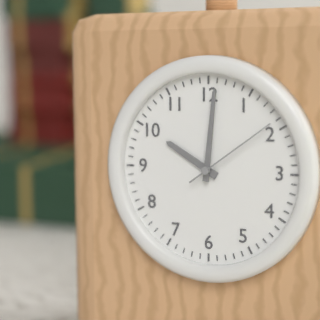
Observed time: 10:01:09
